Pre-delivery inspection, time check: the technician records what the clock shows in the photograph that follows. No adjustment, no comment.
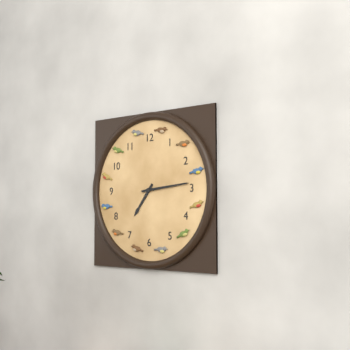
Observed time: 7:14
